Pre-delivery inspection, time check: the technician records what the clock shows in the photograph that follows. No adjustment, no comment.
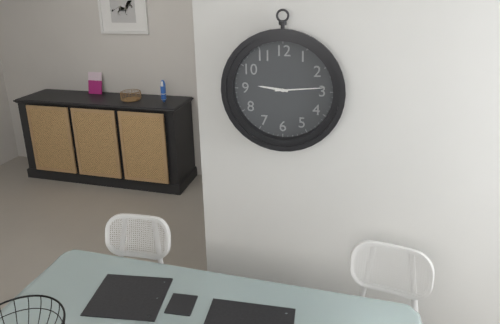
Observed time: 9:14
